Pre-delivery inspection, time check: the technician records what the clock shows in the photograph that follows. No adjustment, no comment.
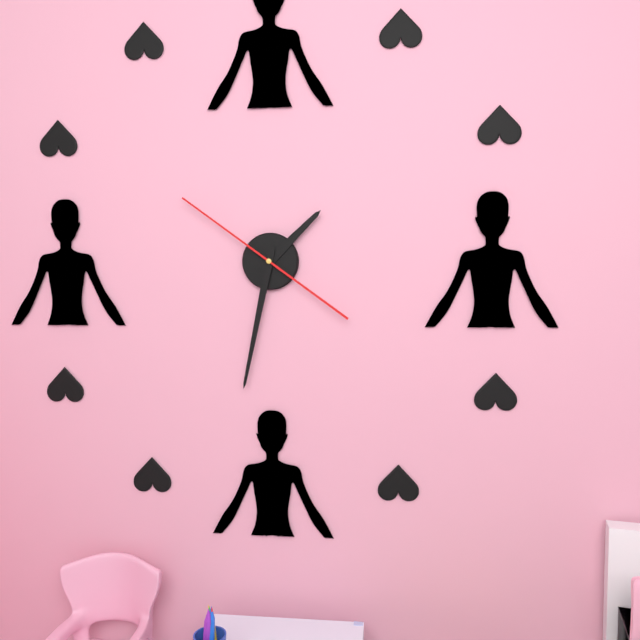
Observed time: 1:32:51
